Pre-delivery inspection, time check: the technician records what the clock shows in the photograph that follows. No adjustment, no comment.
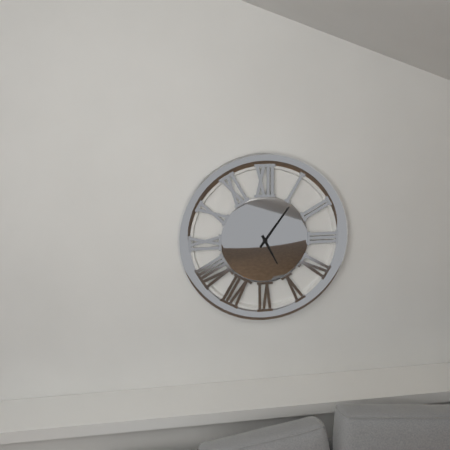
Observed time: 5:06
